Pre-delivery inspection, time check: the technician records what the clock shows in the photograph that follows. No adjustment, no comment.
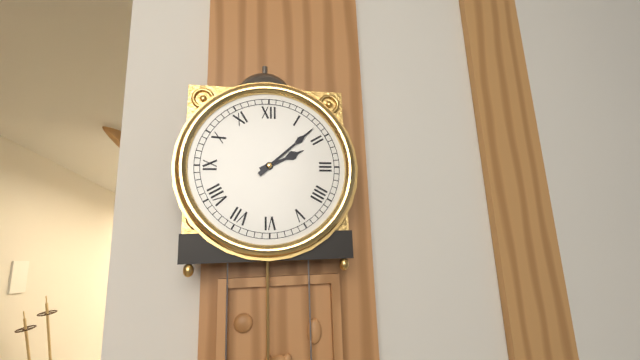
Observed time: 2:08
